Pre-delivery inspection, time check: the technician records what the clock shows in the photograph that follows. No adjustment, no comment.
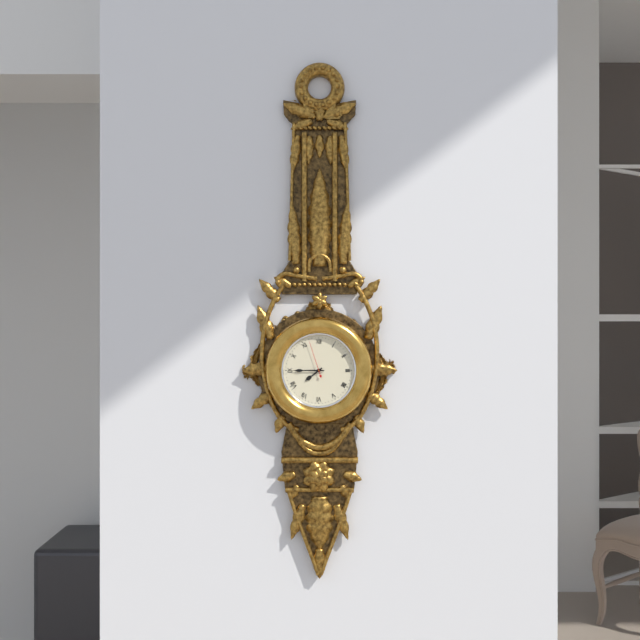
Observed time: 7:45
